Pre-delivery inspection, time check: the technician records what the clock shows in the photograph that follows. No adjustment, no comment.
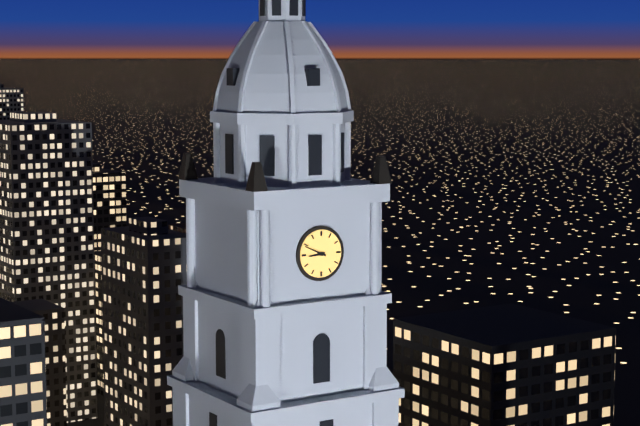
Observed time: 8:49
